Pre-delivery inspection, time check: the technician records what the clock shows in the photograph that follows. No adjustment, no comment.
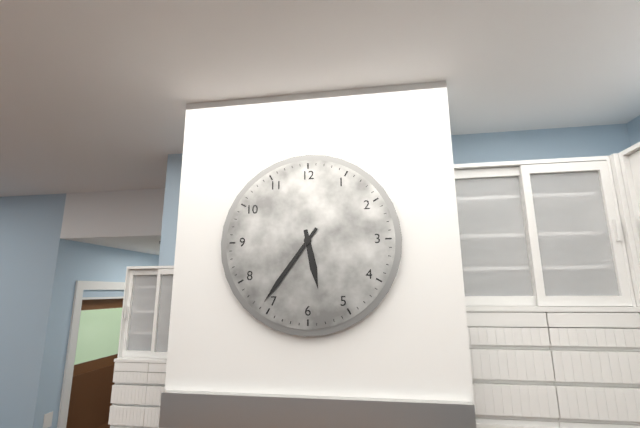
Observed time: 5:36
